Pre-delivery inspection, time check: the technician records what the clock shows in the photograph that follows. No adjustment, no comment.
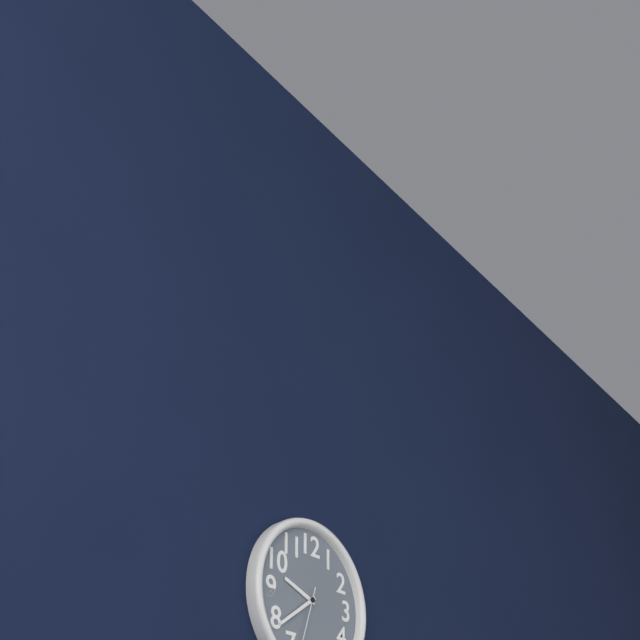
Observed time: 9:39
